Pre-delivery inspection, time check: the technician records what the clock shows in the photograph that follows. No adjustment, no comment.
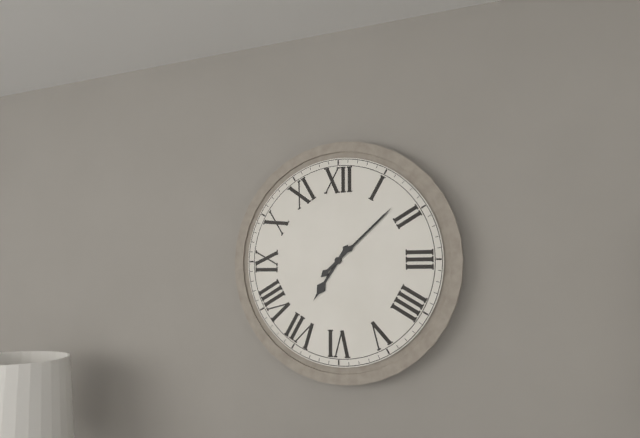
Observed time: 7:08
